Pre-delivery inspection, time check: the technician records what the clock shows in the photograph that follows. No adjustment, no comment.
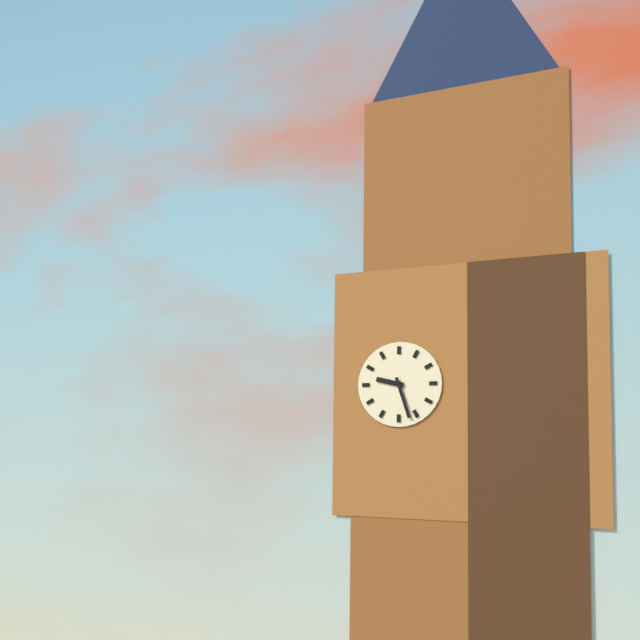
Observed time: 9:27
